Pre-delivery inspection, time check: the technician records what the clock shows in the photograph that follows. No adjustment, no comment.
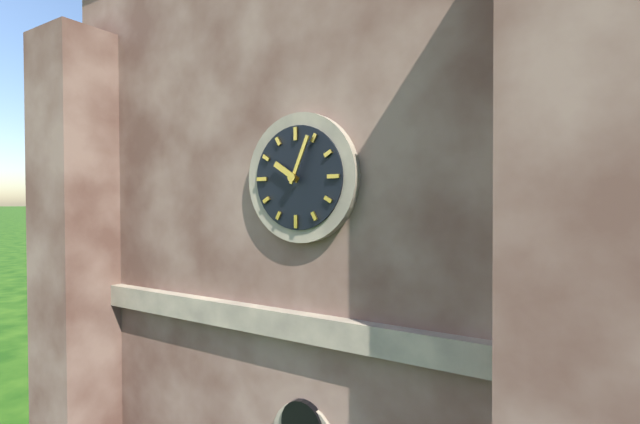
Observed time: 10:04
